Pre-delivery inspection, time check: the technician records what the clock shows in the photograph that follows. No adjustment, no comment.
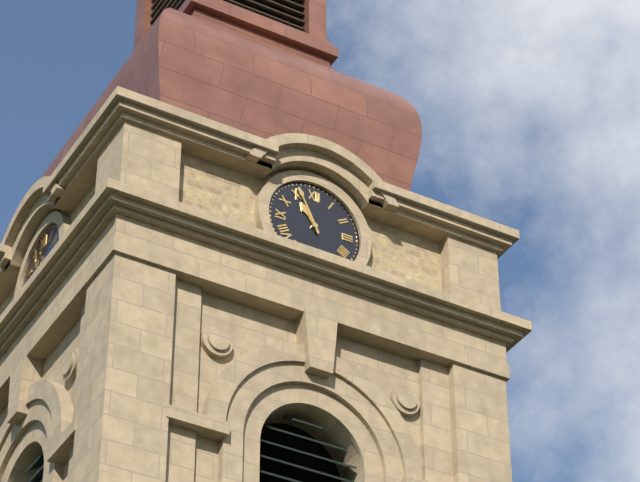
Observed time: 10:56
